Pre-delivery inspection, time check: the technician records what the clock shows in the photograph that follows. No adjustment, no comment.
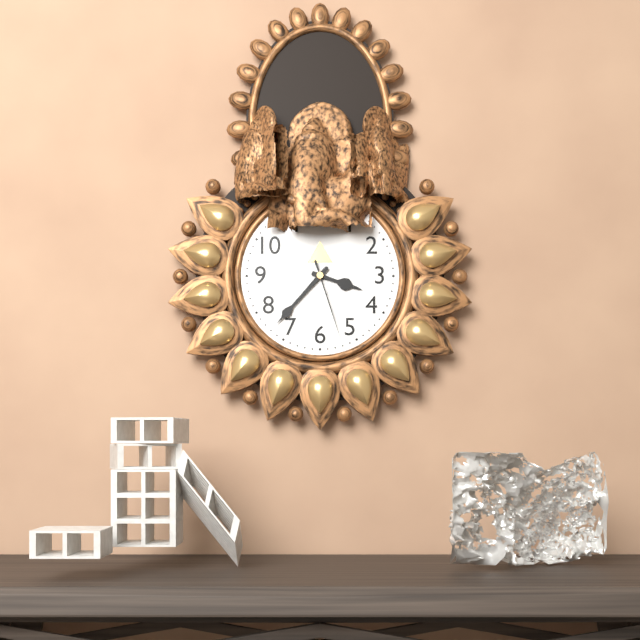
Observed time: 3:37:27
